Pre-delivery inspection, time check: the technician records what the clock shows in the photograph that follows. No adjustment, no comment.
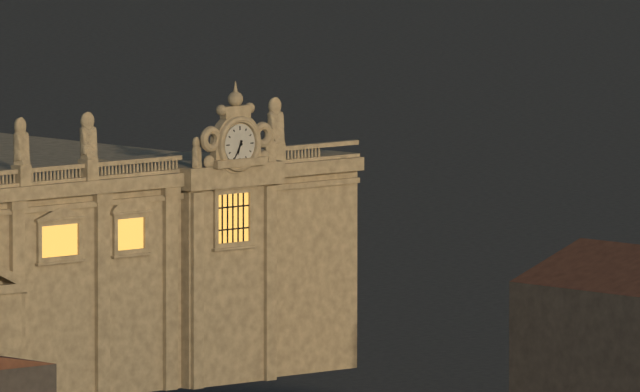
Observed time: 6:35
